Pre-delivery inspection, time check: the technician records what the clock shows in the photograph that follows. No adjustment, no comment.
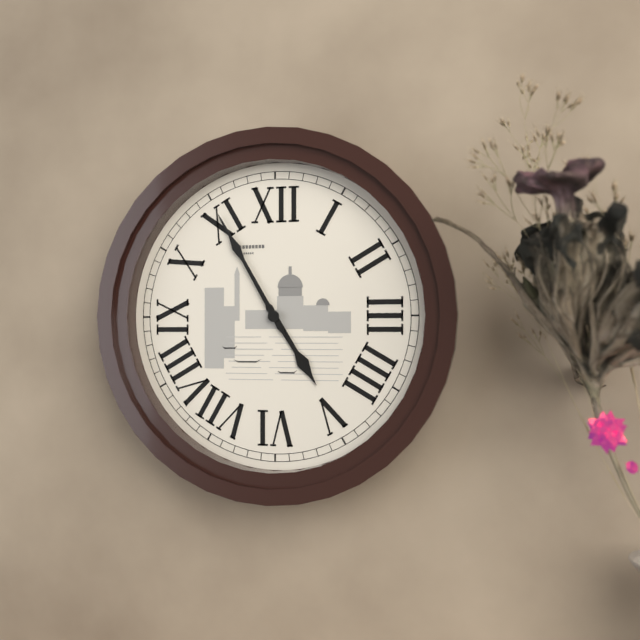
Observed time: 4:55
